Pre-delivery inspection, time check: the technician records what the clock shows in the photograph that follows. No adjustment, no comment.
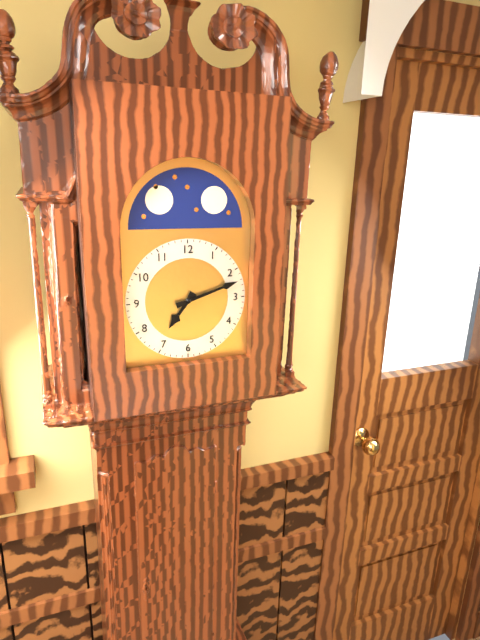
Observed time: 7:12
